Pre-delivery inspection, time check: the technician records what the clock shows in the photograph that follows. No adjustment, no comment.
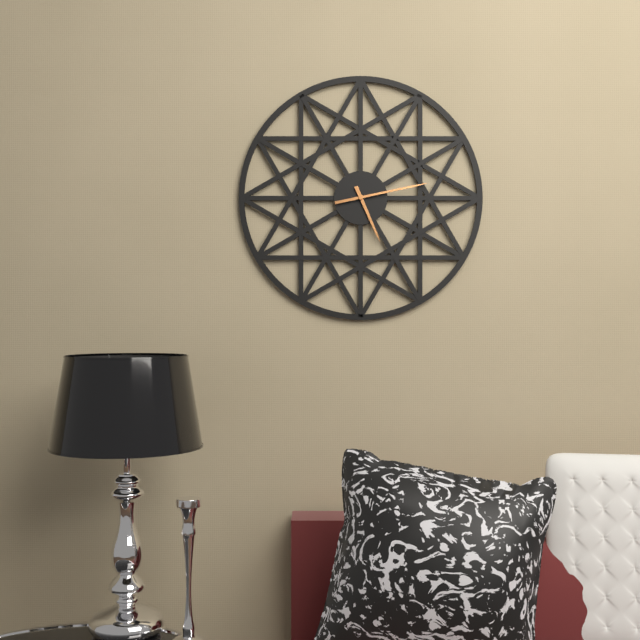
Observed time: 5:13
